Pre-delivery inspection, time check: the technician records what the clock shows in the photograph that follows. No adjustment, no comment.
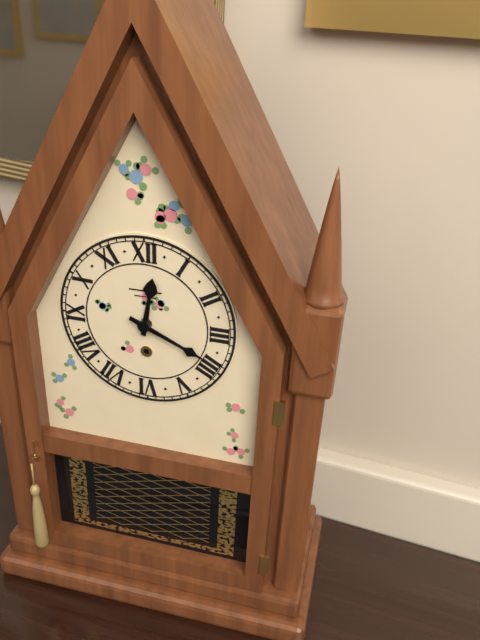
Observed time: 12:19
